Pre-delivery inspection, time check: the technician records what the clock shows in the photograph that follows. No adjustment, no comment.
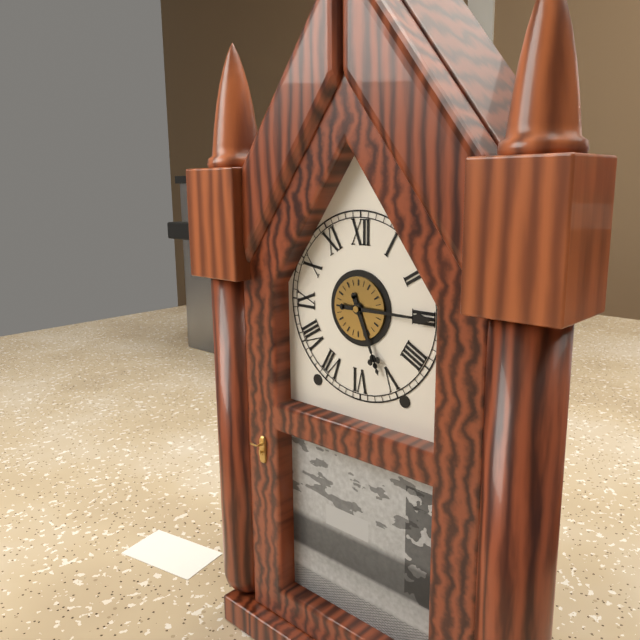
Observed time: 5:15
